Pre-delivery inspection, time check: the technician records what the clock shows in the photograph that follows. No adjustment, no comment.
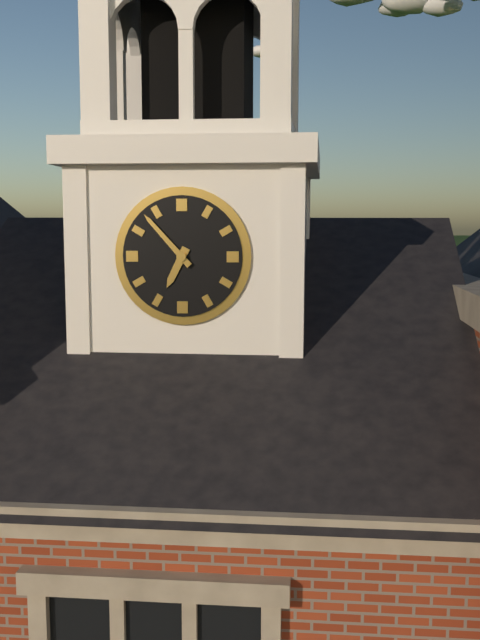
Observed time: 6:53
